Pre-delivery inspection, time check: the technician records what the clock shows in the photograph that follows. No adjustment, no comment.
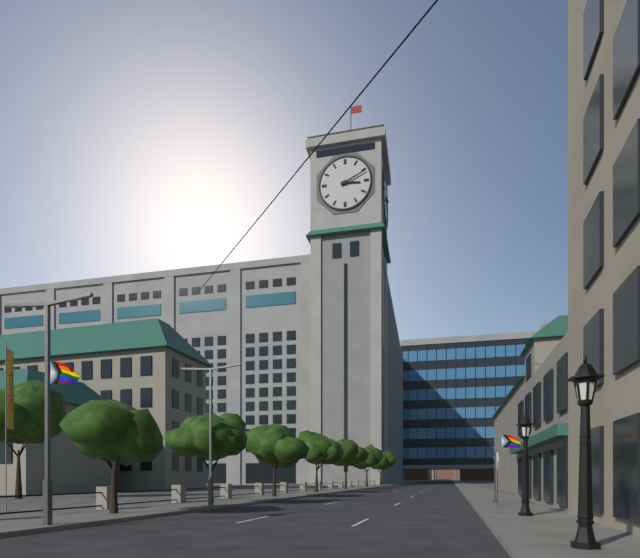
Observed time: 3:11
